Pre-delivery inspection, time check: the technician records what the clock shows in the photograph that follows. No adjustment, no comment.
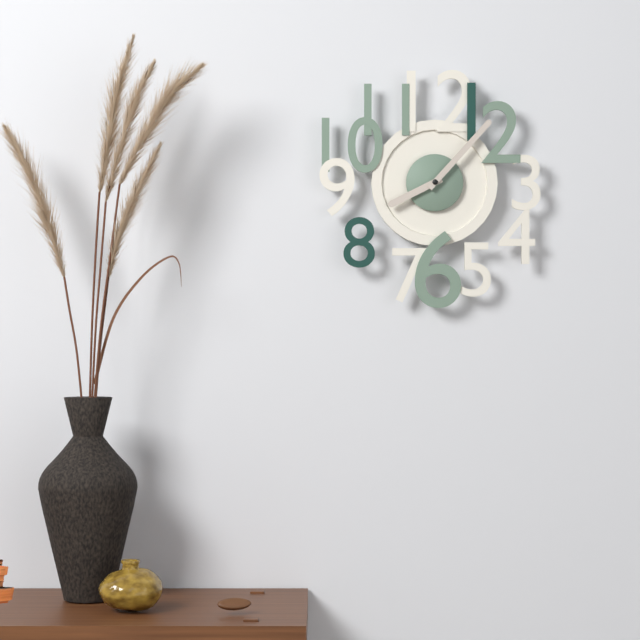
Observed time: 8:07
